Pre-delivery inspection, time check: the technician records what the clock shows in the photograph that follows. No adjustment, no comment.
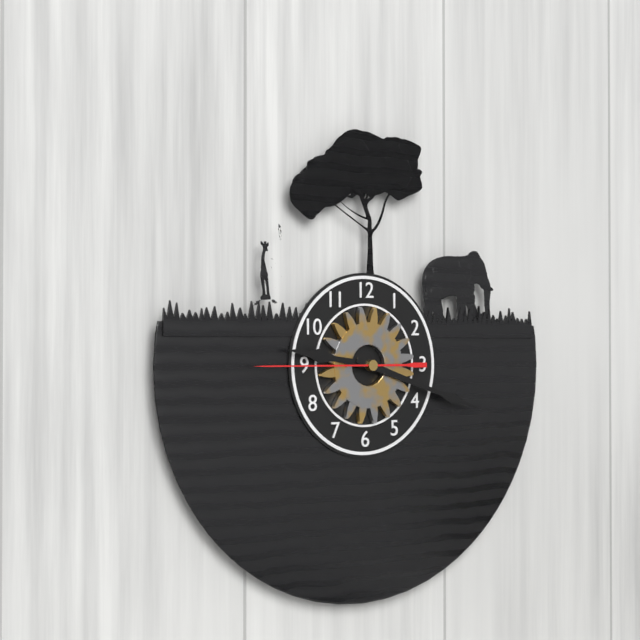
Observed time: 9:18:45
